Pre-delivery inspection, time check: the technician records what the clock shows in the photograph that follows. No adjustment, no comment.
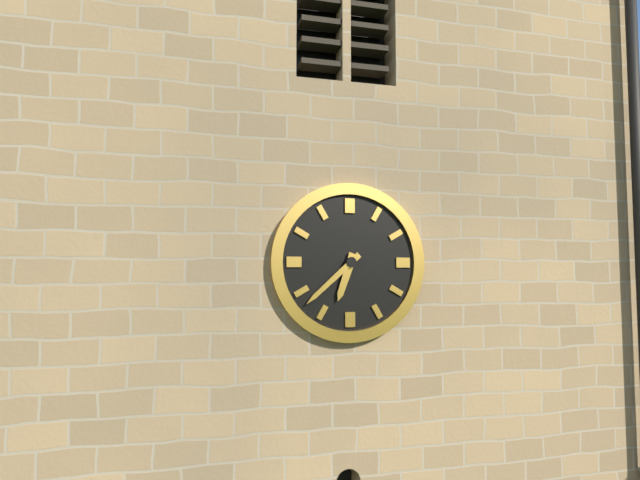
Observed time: 6:38
